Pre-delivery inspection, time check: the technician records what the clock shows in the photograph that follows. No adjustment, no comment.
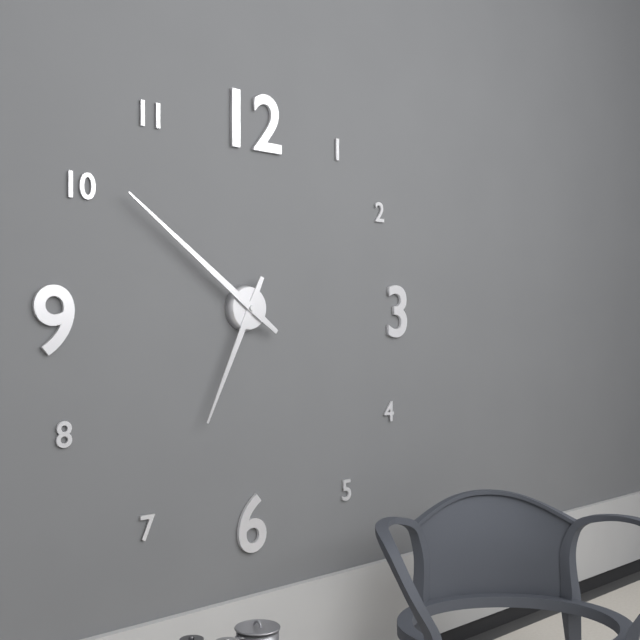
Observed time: 6:51
